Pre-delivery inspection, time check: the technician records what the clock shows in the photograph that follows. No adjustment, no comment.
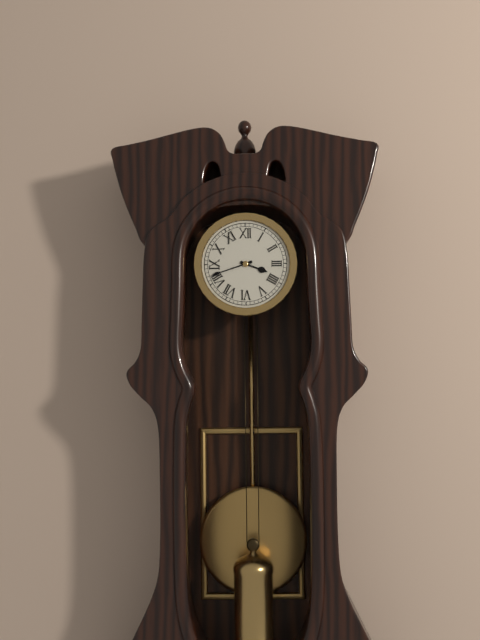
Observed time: 3:42
